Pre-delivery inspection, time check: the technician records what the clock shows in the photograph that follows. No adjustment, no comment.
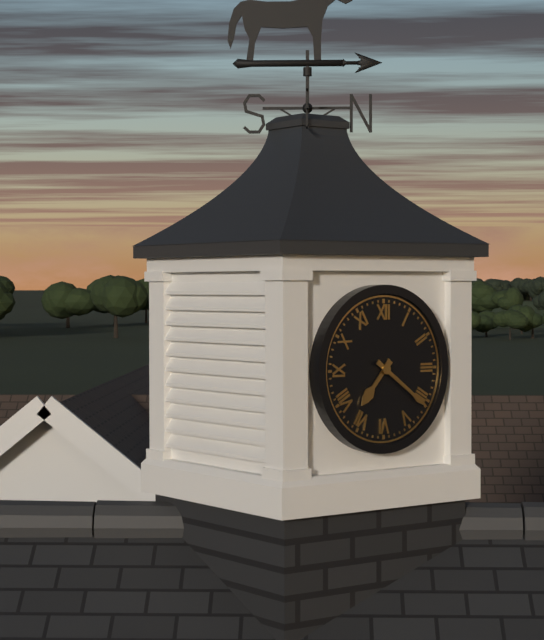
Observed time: 7:21
